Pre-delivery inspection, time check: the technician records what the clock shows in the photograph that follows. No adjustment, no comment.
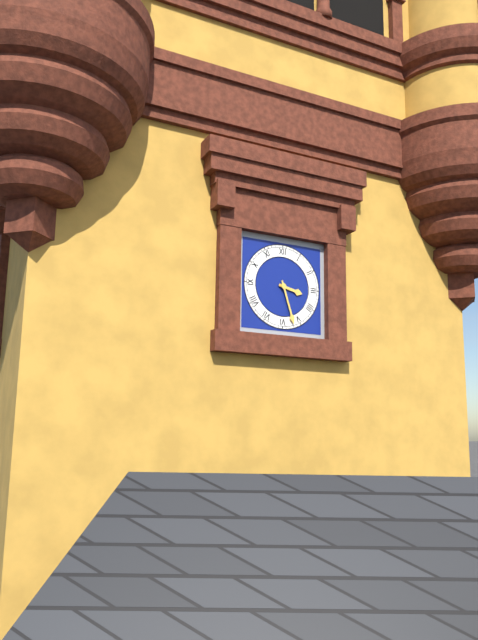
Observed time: 3:27
